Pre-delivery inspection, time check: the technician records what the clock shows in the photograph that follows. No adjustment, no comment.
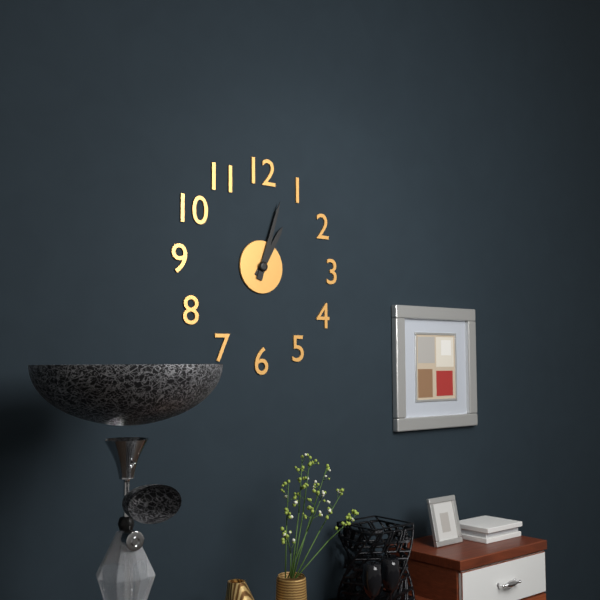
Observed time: 1:03
